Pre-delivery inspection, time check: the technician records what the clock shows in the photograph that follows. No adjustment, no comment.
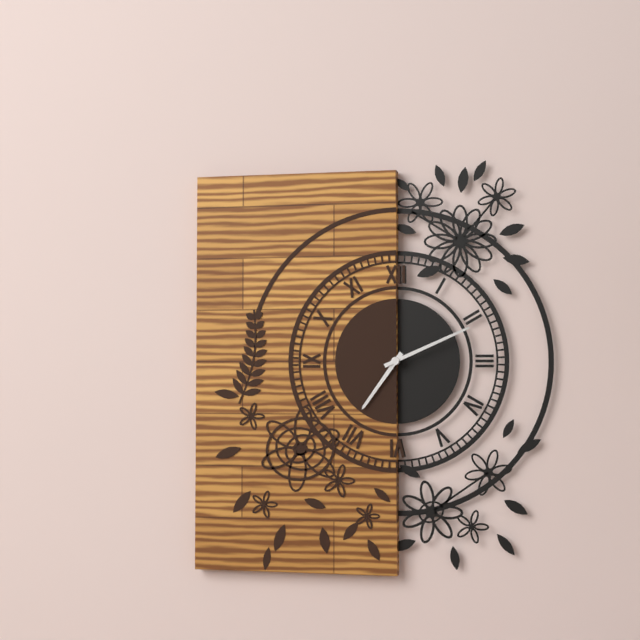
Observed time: 7:11
